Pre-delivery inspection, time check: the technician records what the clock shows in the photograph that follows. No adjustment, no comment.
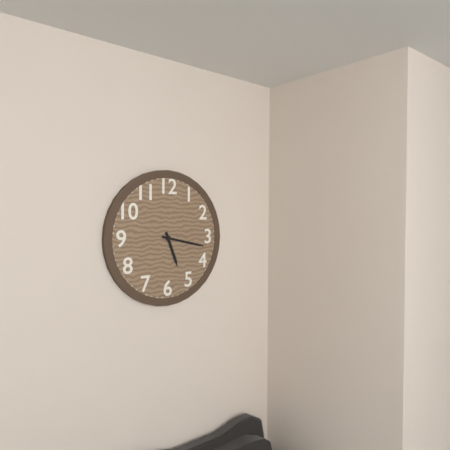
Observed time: 5:17
